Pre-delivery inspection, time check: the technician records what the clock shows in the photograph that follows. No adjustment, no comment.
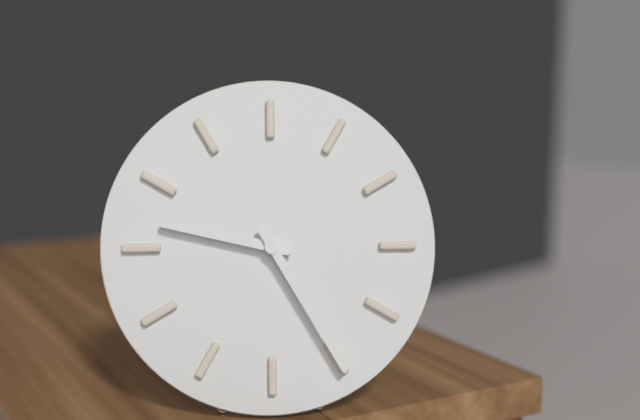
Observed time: 9:25
